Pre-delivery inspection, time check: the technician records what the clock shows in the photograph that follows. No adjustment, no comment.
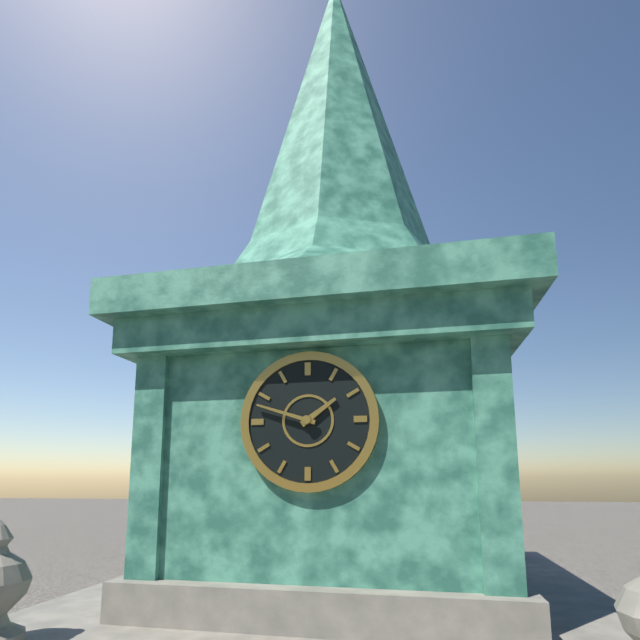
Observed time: 1:48
